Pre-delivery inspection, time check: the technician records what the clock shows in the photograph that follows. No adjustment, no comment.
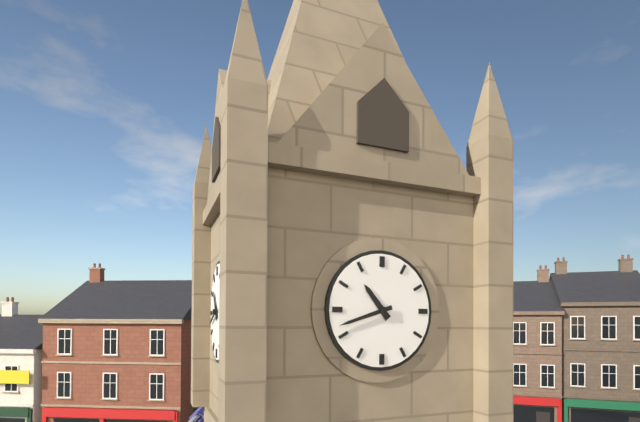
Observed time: 10:42
